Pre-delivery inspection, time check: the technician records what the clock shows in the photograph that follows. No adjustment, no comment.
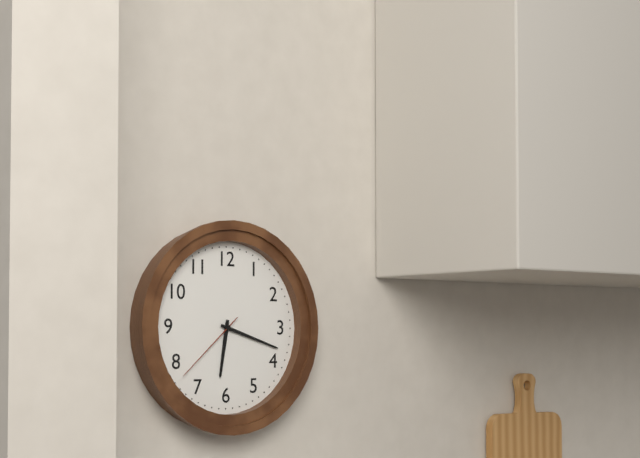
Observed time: 6:18:38
